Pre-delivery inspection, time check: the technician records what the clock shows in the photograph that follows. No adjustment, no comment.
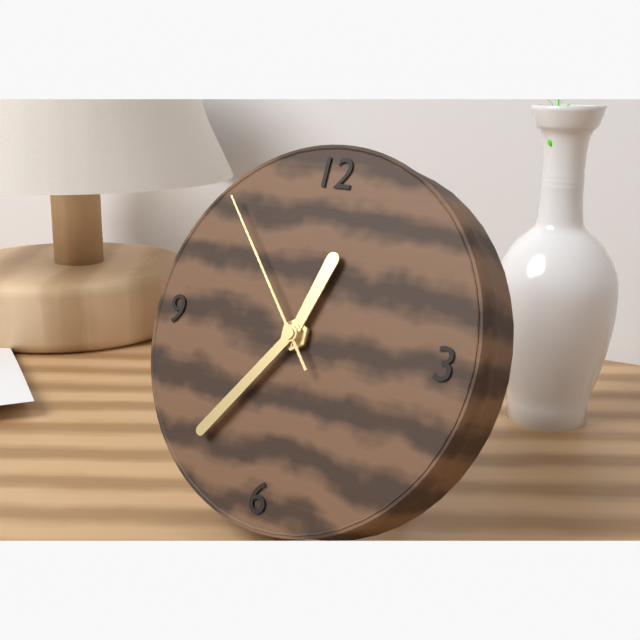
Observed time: 12:36:53
